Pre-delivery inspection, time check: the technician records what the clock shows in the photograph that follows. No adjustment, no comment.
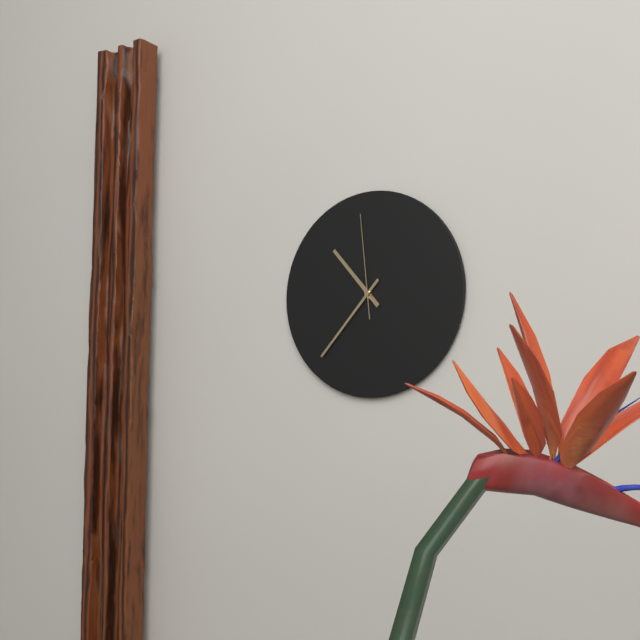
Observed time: 10:37:59
